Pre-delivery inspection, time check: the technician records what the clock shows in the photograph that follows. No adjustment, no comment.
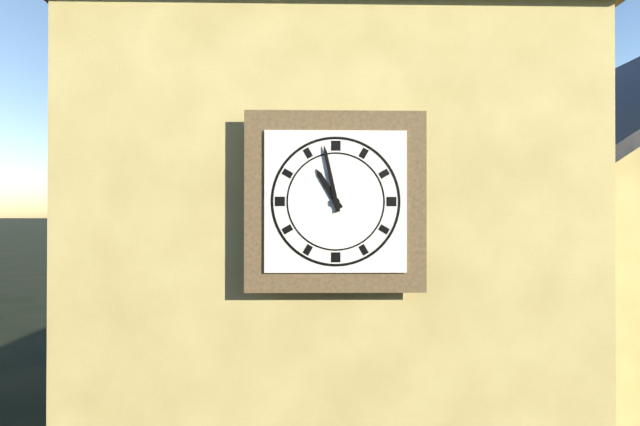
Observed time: 10:58
